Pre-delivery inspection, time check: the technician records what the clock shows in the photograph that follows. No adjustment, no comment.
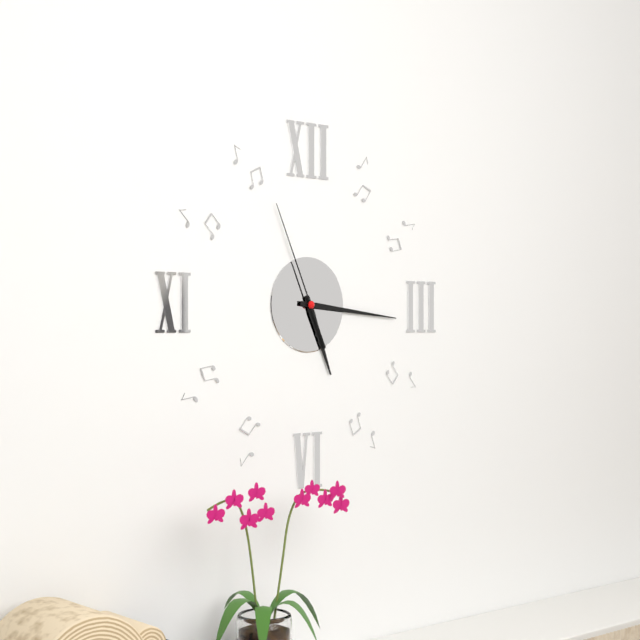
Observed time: 5:16:56
